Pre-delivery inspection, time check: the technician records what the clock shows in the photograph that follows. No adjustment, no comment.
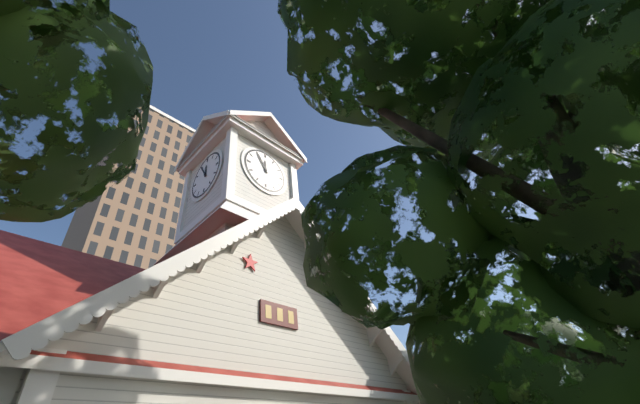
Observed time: 11:55
